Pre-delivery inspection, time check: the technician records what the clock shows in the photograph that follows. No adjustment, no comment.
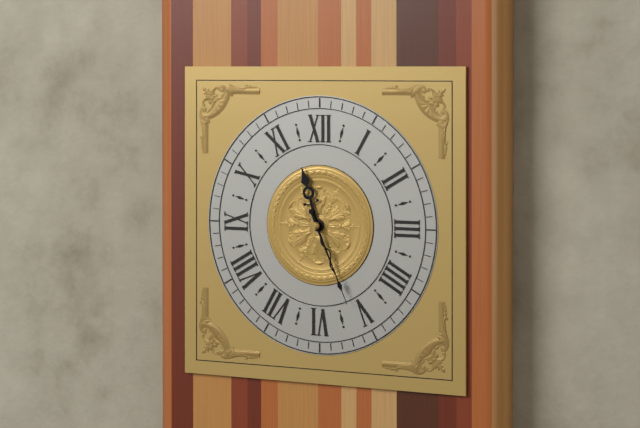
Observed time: 11:26
